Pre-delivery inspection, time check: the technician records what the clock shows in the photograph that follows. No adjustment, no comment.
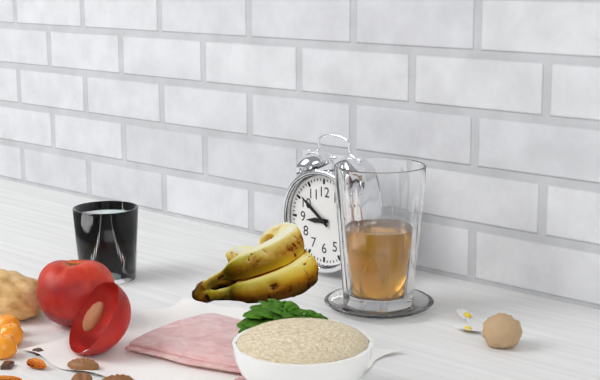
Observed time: 8:51
